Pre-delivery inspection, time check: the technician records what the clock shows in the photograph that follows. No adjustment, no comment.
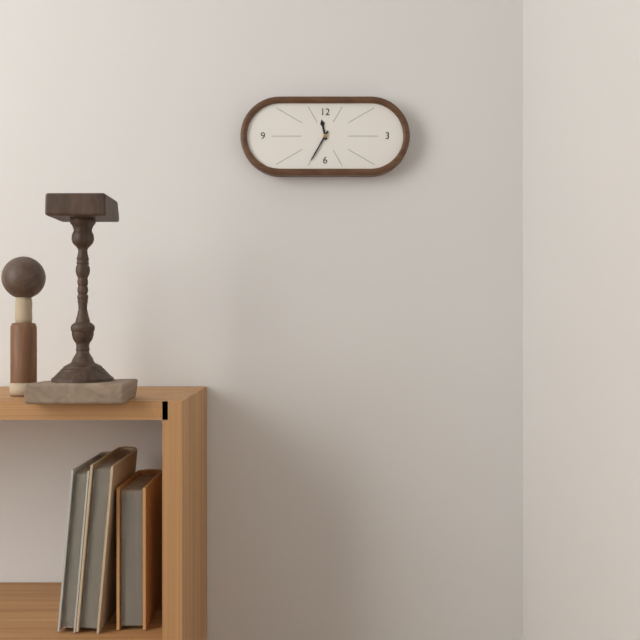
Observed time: 11:35
